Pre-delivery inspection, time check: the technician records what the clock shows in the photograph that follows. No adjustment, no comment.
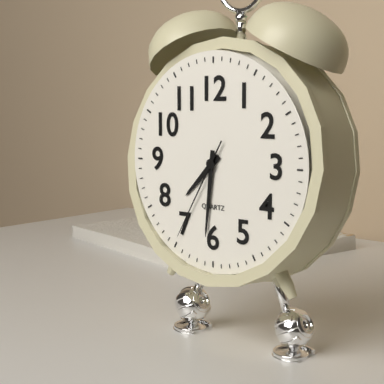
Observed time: 7:31:35
